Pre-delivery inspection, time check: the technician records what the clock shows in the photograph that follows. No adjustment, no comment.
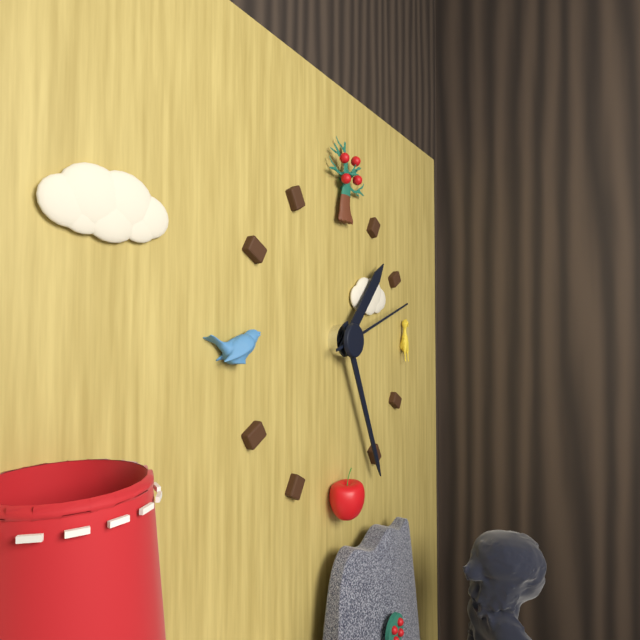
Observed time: 1:26:12
